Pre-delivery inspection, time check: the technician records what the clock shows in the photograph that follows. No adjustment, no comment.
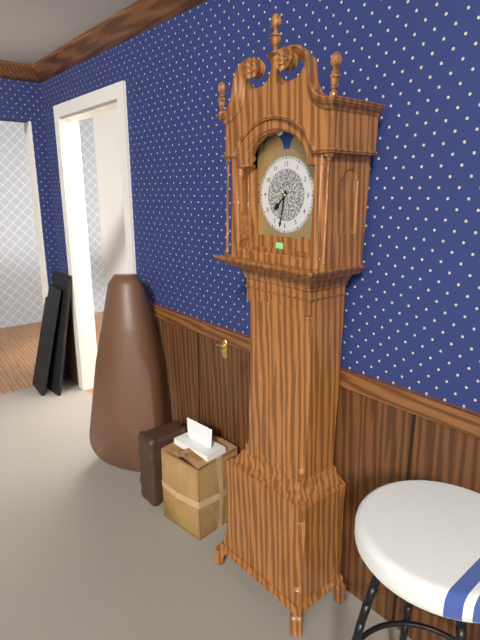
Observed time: 7:32
